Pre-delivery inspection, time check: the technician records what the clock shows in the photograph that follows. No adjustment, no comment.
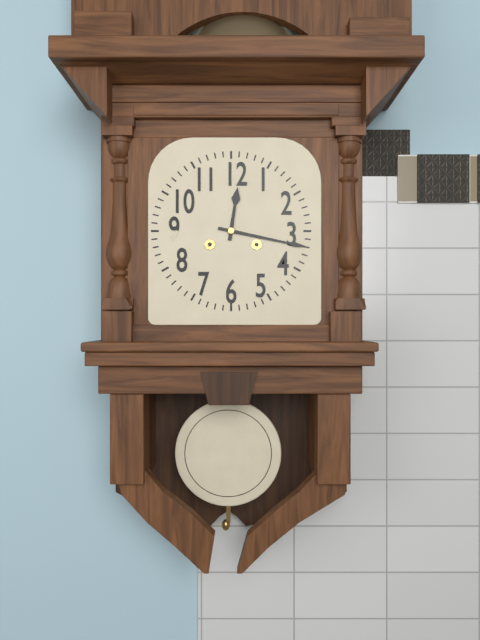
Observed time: 12:17
